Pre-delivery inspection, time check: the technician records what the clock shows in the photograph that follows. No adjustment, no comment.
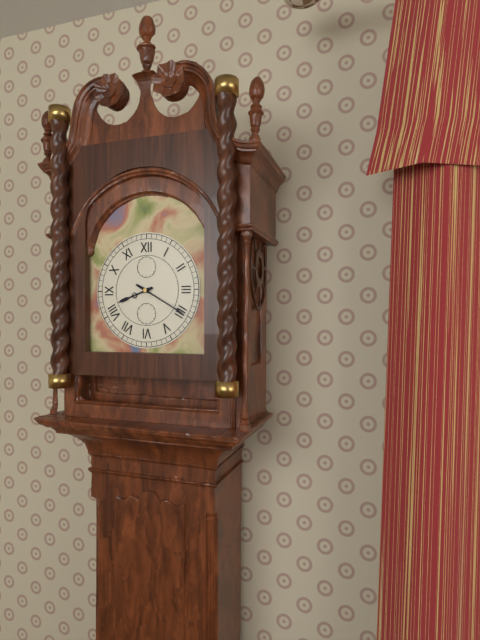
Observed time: 8:20
